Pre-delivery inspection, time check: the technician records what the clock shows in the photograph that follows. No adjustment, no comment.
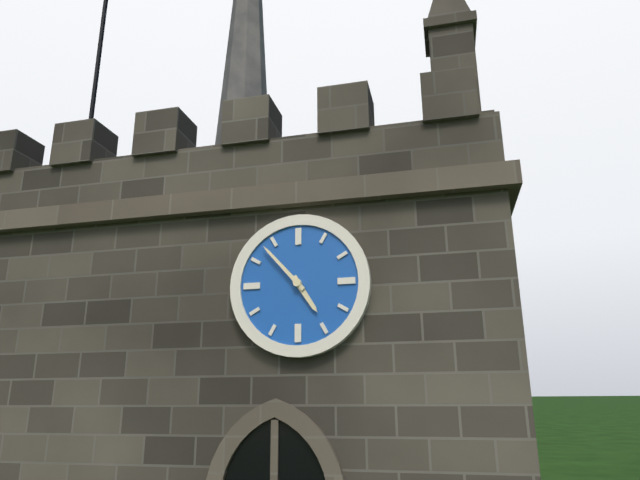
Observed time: 4:53
